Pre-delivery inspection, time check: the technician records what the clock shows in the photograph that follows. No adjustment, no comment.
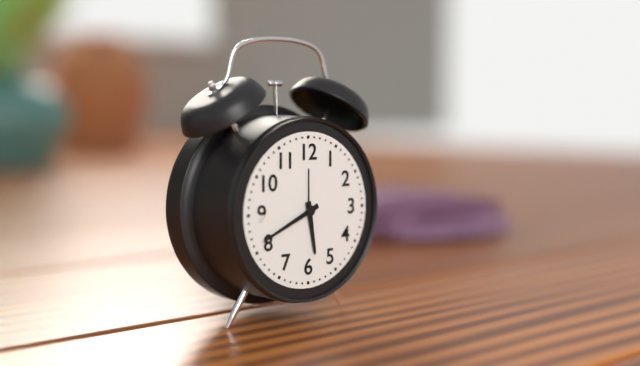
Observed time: 5:41
